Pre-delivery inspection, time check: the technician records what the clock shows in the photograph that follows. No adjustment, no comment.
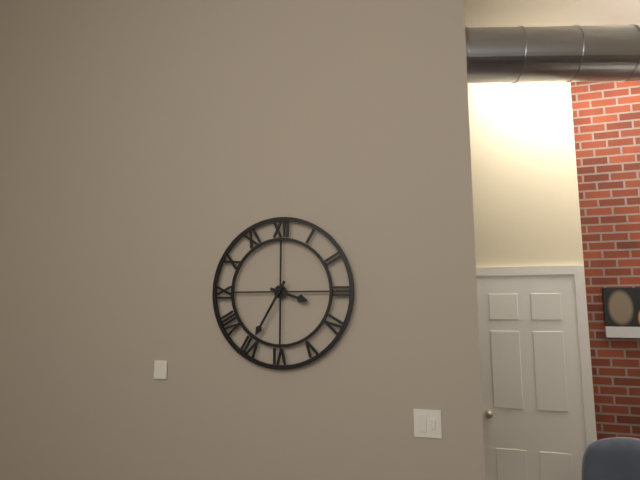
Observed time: 3:35
